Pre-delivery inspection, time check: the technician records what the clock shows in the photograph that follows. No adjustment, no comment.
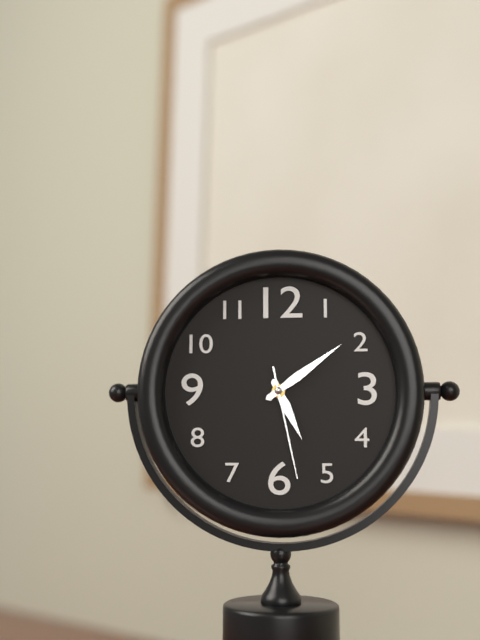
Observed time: 5:09:28
